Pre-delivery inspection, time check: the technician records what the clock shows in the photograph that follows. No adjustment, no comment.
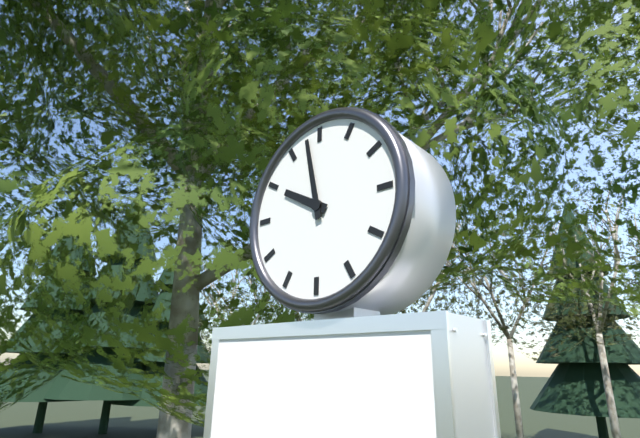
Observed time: 9:58
